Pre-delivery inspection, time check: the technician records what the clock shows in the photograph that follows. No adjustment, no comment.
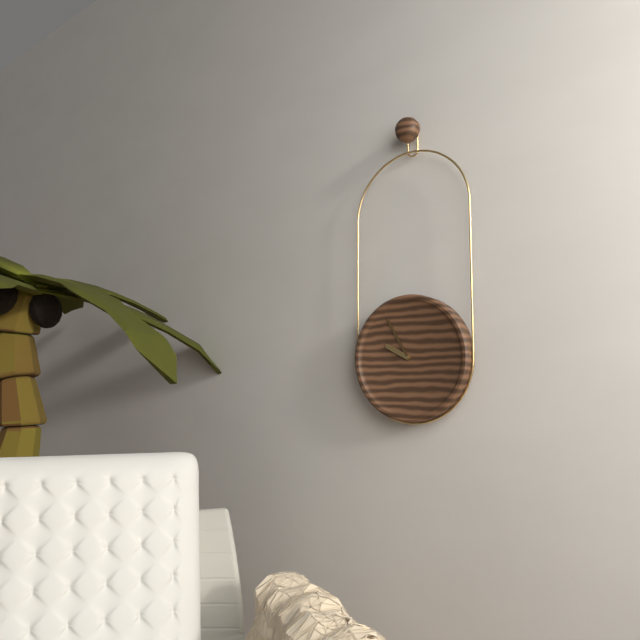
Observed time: 9:55
